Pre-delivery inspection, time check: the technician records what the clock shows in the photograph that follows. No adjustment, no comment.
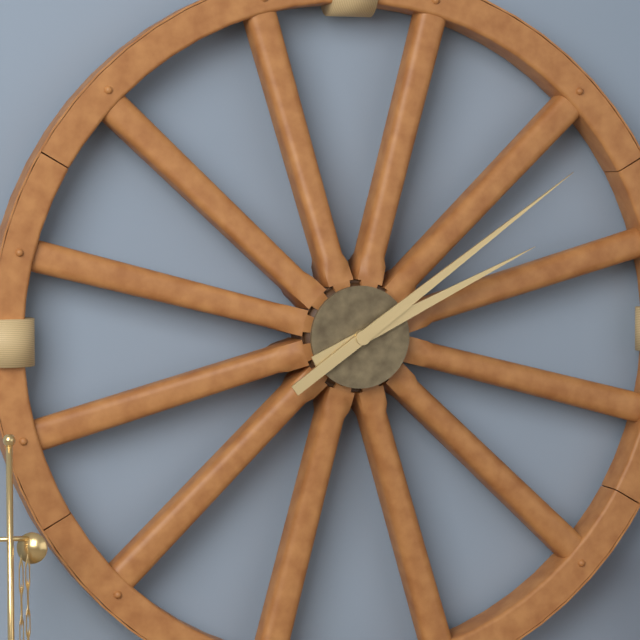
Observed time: 2:09
